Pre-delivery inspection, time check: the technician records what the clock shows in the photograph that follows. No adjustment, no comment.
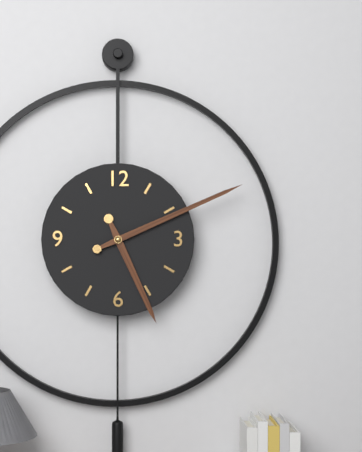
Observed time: 5:11
